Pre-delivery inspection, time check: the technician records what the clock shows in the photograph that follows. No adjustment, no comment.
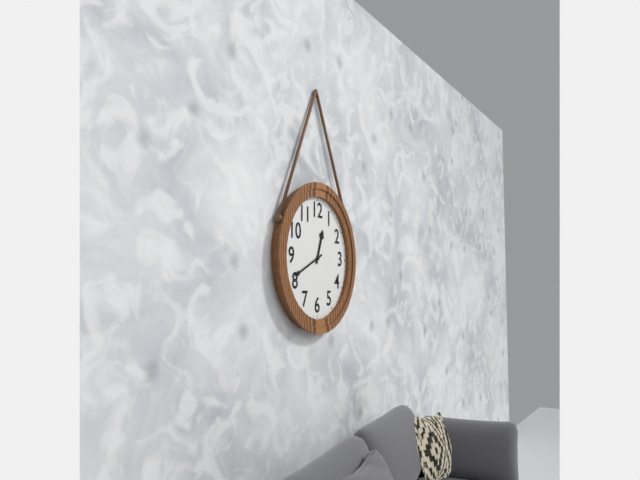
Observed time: 12:41
